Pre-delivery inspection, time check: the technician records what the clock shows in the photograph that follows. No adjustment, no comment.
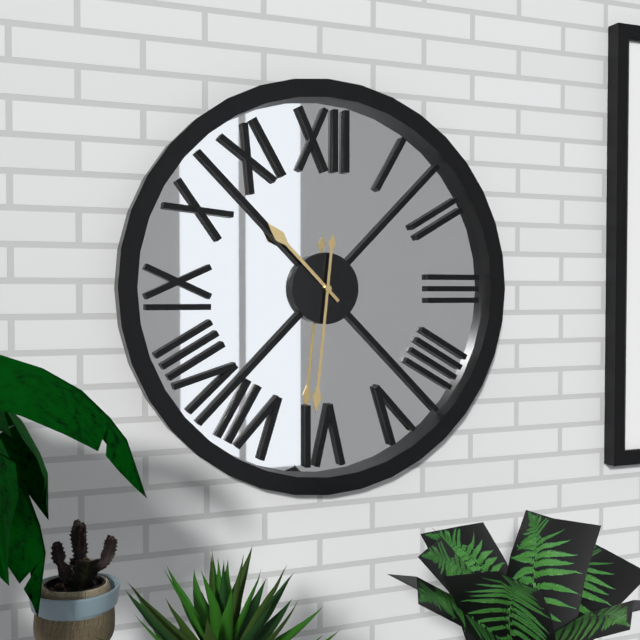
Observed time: 10:31
